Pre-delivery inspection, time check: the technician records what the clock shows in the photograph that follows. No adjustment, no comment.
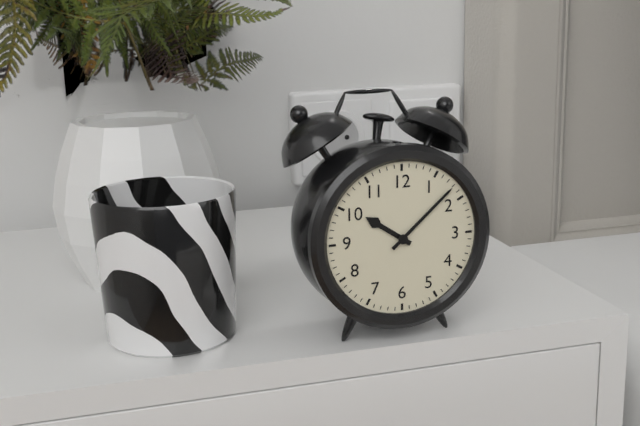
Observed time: 10:08
